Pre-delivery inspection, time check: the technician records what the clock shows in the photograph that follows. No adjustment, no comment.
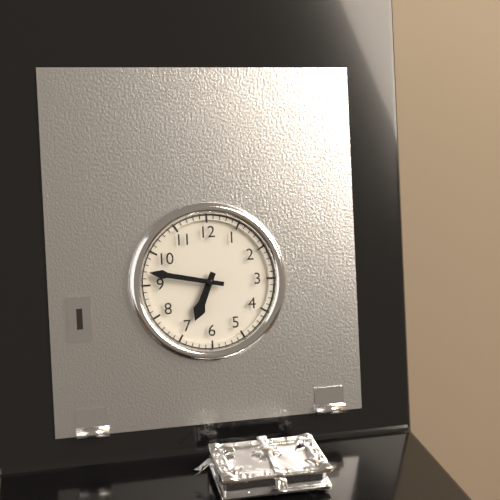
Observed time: 6:47
